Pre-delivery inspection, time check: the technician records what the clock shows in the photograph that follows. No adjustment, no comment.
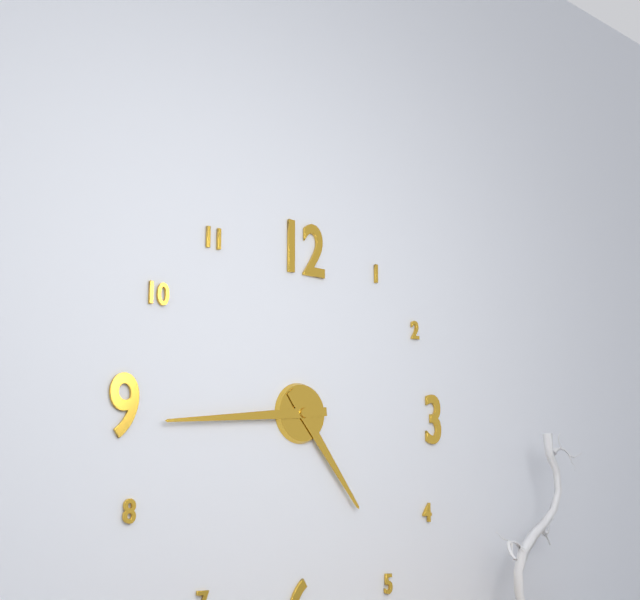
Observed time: 4:44
